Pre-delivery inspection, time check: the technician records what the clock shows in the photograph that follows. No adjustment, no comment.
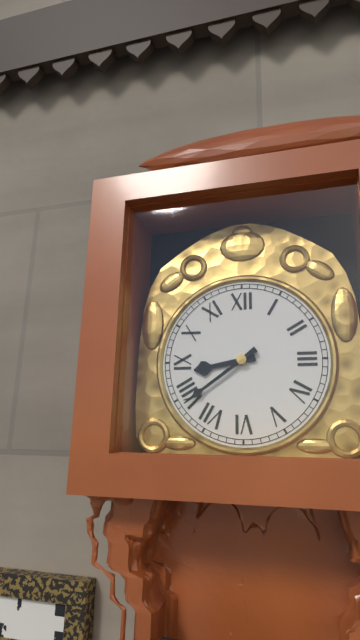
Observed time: 8:39
